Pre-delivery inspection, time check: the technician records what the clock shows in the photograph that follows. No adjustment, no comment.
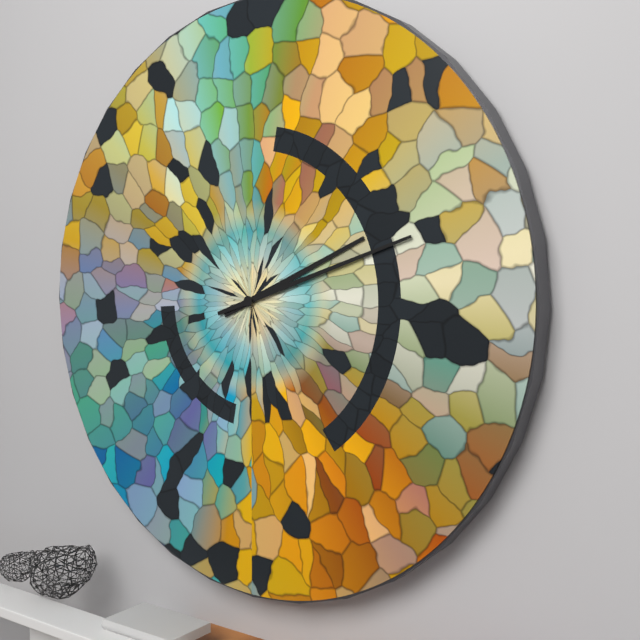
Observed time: 2:12
